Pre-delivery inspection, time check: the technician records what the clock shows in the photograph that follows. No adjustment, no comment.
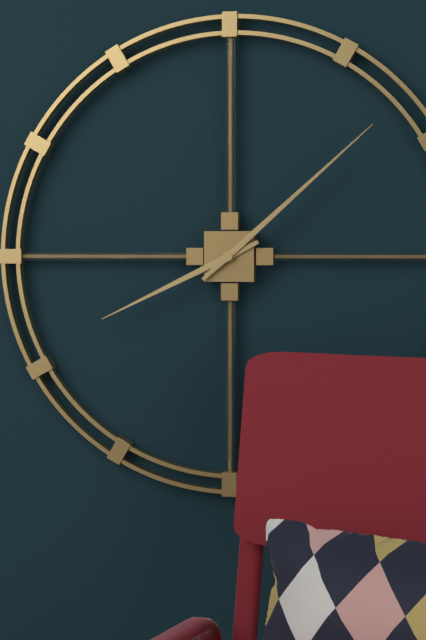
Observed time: 8:08
